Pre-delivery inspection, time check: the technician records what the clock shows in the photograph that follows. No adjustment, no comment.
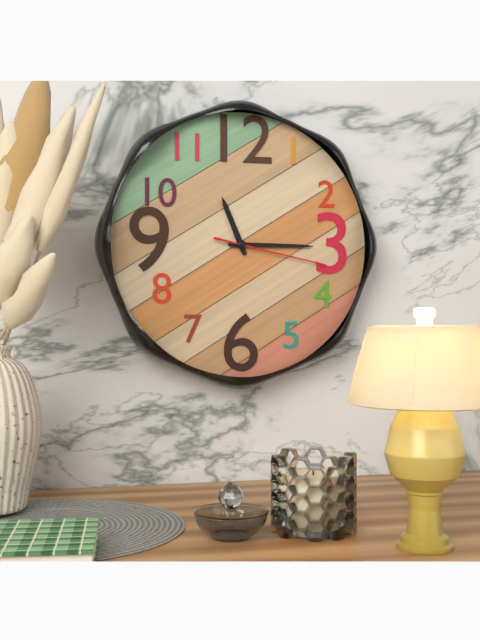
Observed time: 11:15:17
